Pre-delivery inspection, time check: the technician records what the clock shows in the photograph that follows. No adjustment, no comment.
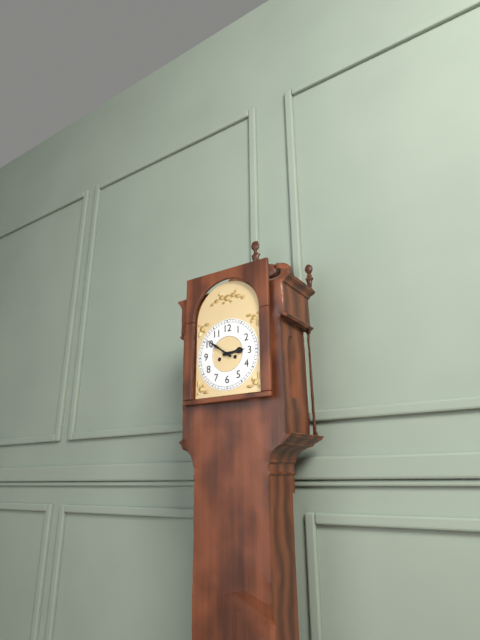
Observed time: 2:51
